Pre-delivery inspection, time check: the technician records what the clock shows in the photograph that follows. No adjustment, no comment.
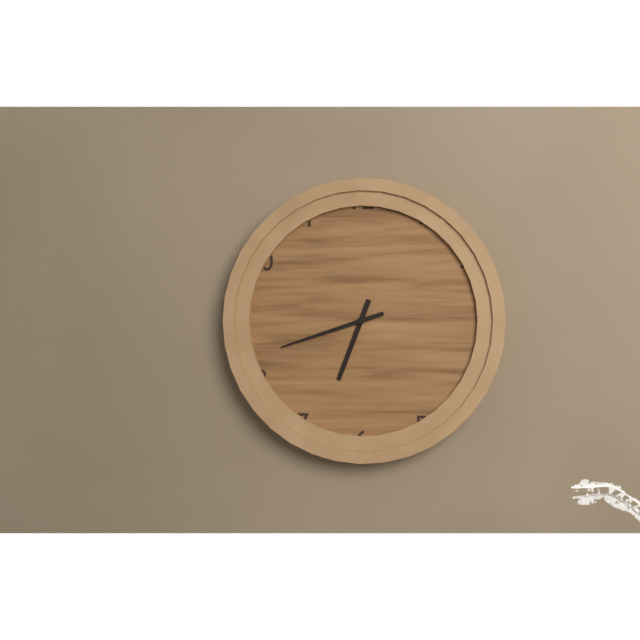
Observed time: 6:42
